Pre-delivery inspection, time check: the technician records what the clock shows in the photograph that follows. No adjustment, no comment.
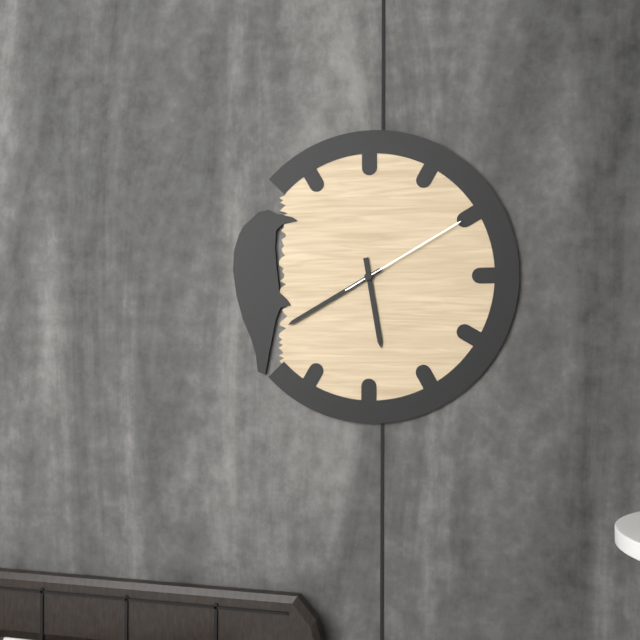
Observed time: 5:40:10
